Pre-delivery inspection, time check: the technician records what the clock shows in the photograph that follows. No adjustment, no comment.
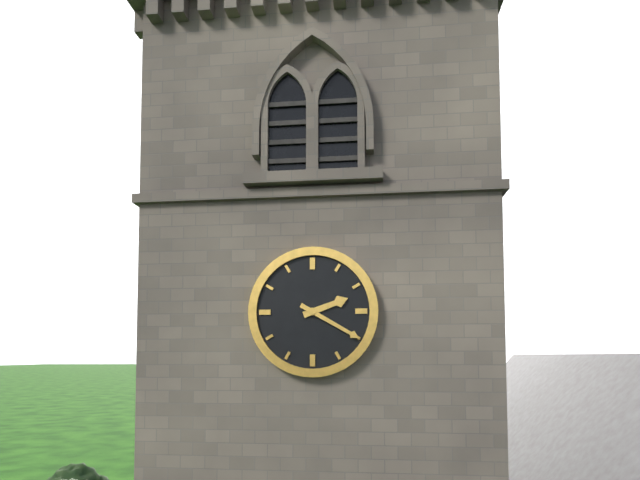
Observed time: 2:20
